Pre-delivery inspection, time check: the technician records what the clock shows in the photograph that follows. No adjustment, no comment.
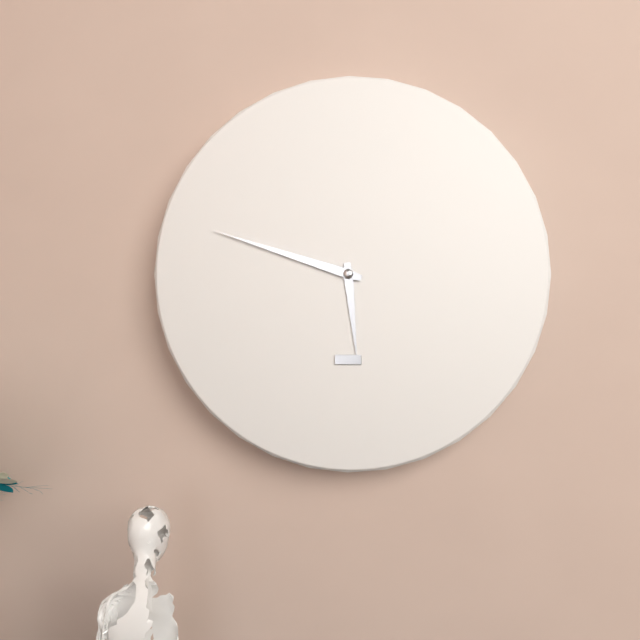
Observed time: 5:48
